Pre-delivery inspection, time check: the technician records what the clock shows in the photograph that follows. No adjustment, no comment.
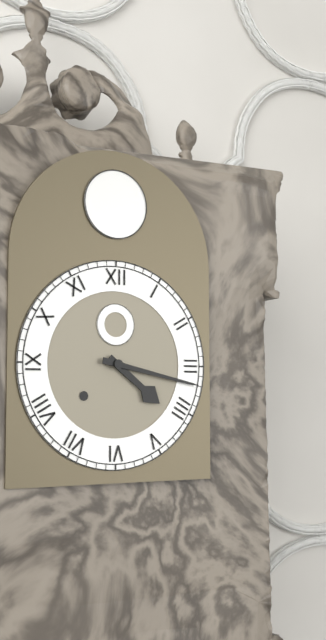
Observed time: 4:17
